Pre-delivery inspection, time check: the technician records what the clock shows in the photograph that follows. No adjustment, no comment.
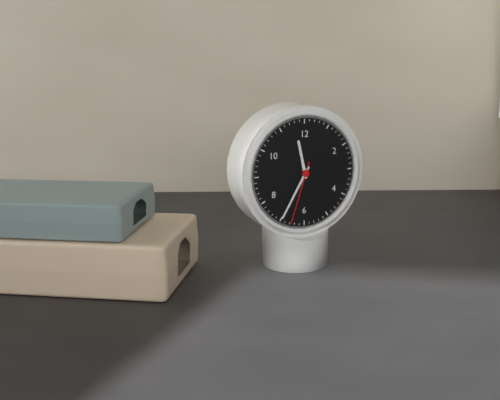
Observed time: 11:35:33
